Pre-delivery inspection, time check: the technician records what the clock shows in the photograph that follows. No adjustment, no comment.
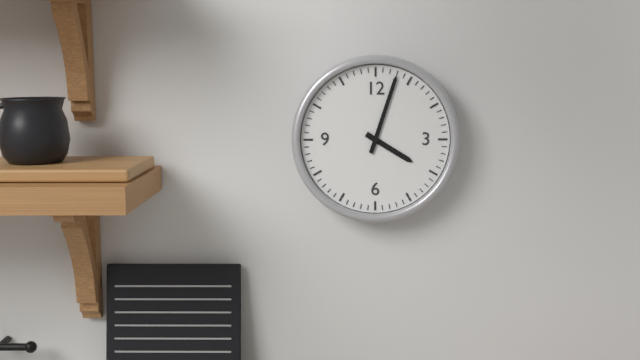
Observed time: 4:03
